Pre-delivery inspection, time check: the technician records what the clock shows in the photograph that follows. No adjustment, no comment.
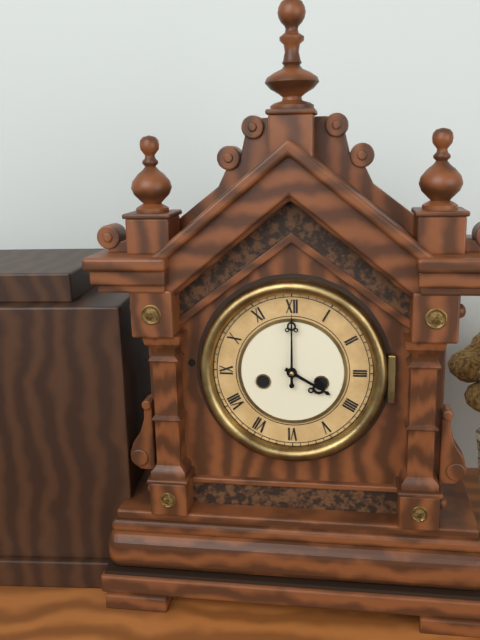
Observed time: 4:00
